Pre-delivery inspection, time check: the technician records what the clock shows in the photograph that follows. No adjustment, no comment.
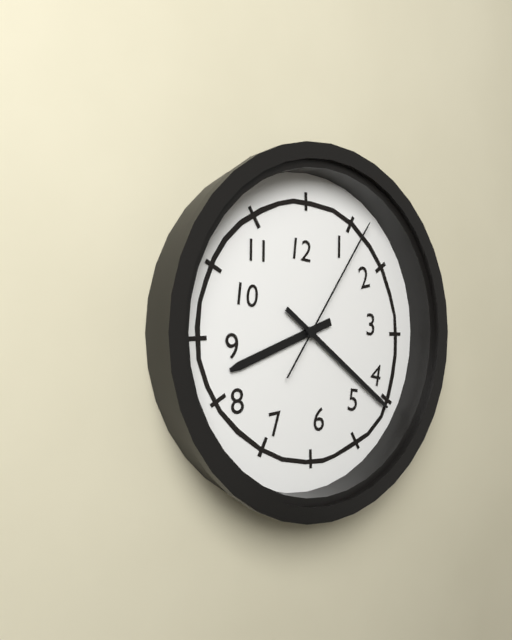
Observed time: 8:21:06
